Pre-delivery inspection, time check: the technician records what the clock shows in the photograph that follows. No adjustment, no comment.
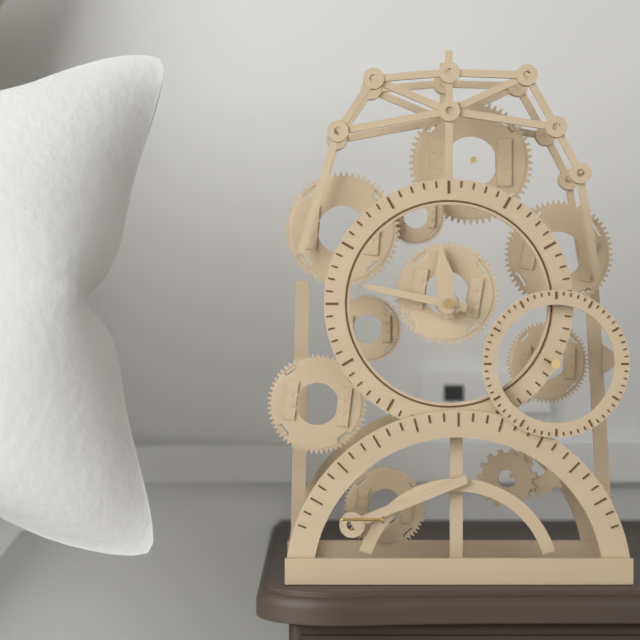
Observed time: 11:47
